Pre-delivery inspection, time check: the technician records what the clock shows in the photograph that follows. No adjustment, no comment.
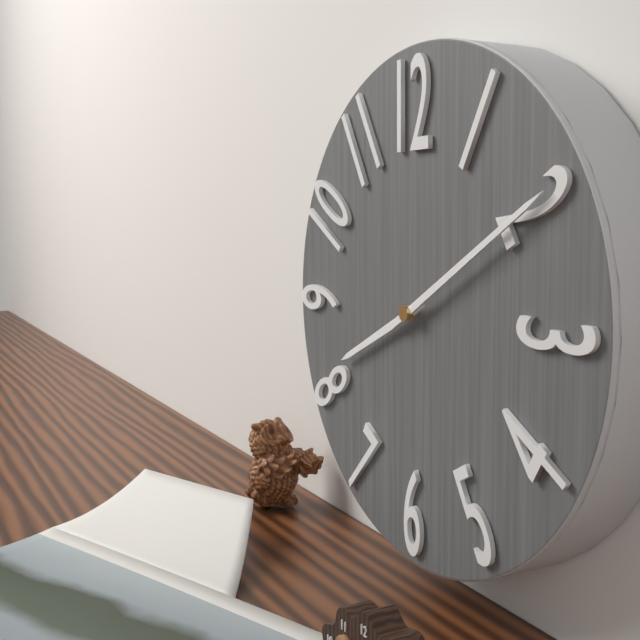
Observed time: 8:10
